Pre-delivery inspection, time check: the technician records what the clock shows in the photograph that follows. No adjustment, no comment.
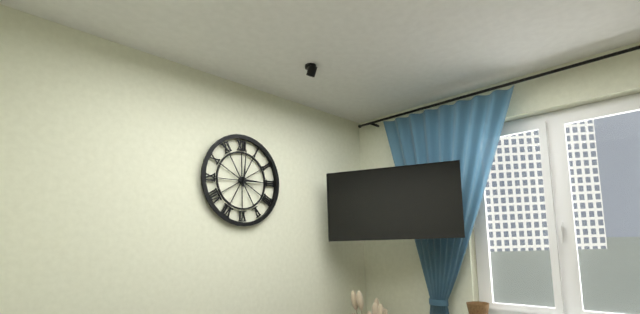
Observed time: 3:01
